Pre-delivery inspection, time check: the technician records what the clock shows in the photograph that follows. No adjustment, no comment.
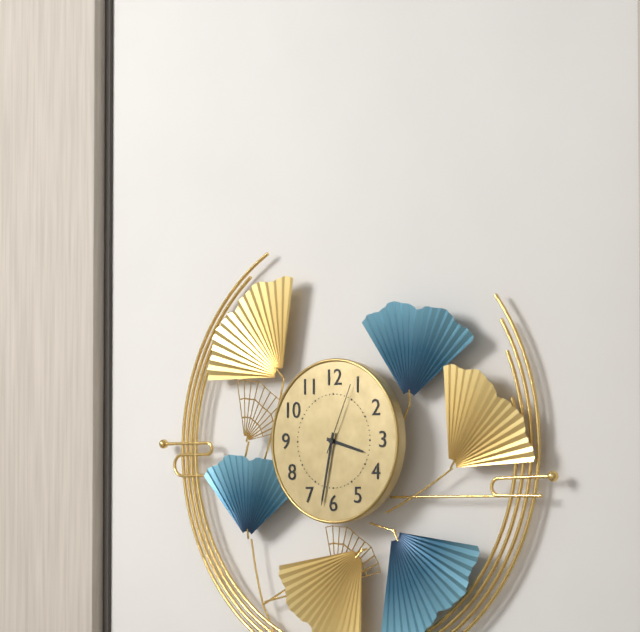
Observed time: 3:32:04
